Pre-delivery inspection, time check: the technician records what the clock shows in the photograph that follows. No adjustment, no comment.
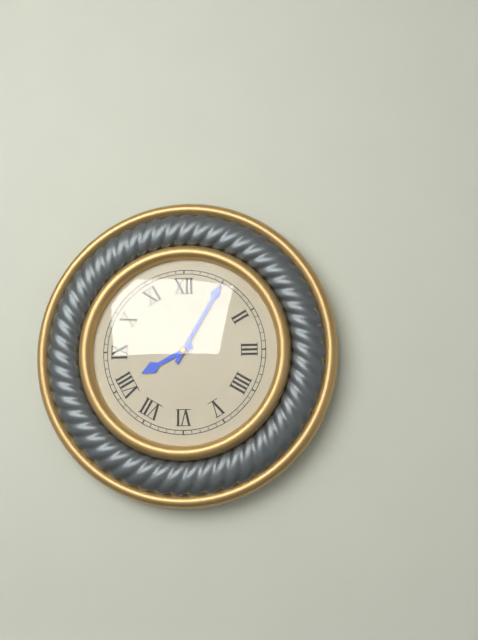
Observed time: 8:05
